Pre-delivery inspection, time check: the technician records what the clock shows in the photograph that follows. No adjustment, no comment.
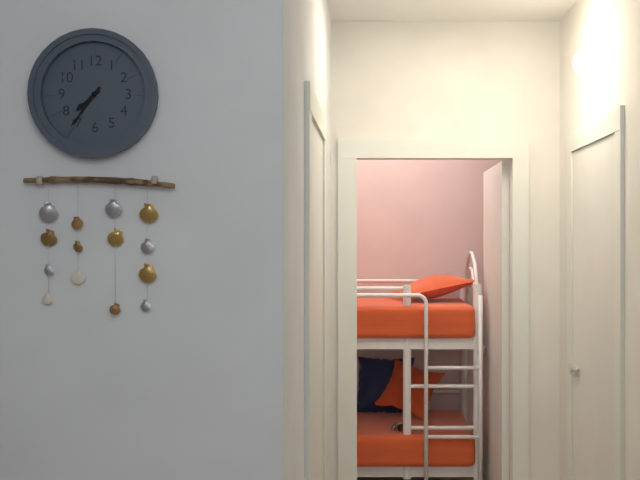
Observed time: 7:36
